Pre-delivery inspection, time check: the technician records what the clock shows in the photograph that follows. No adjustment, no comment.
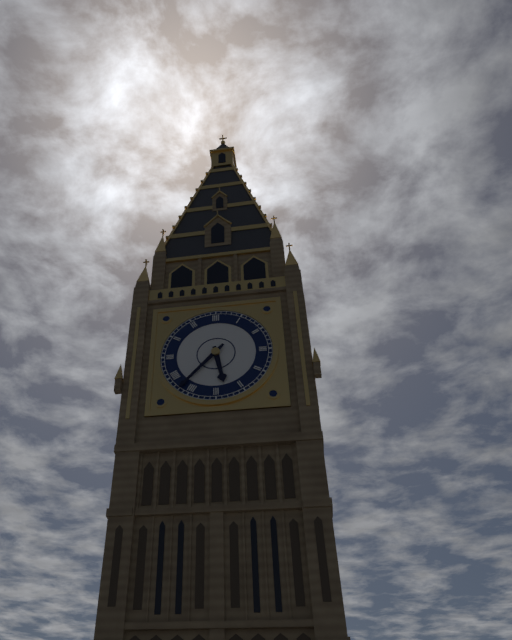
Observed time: 5:37
